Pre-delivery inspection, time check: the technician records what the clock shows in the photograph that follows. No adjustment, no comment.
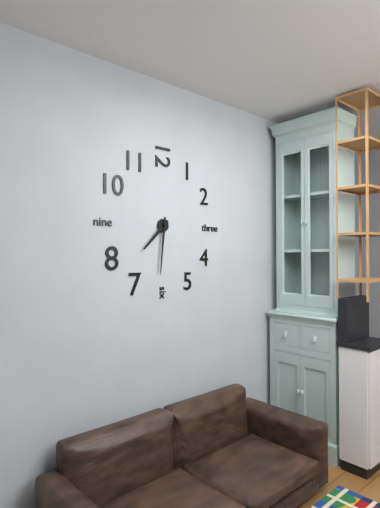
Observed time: 7:31
